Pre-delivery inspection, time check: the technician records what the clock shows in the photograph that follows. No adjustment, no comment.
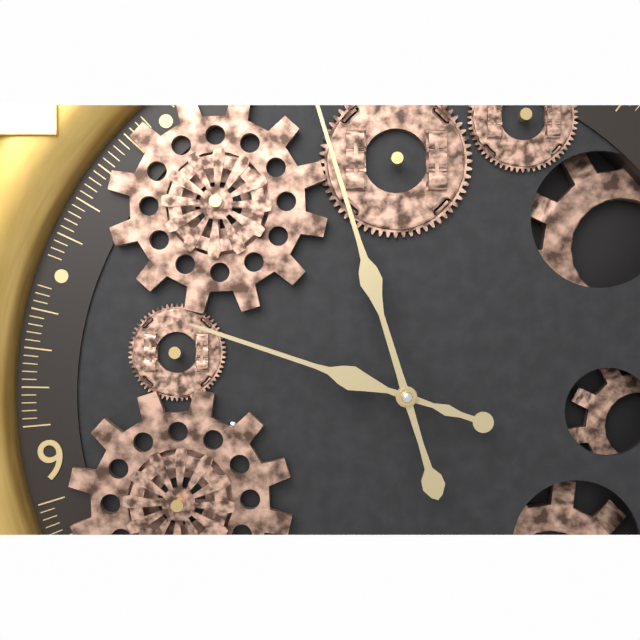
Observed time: 9:59
